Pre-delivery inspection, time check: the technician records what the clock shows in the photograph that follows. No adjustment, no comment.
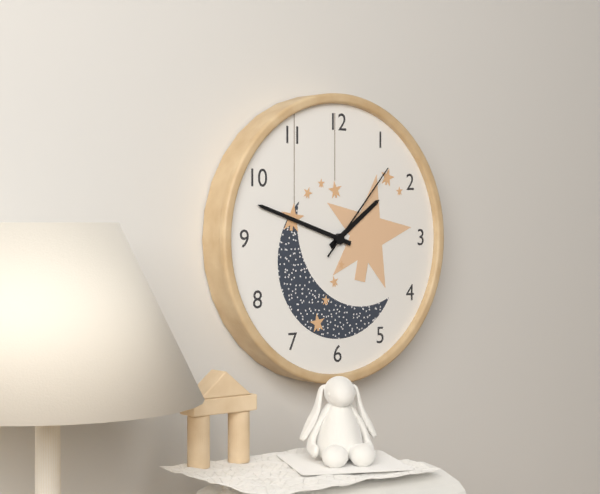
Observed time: 1:48:07
